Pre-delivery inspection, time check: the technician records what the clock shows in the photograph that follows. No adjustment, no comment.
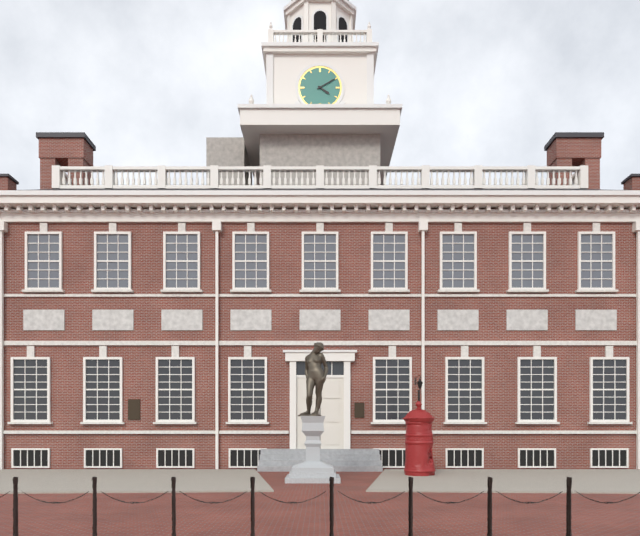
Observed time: 4:10
